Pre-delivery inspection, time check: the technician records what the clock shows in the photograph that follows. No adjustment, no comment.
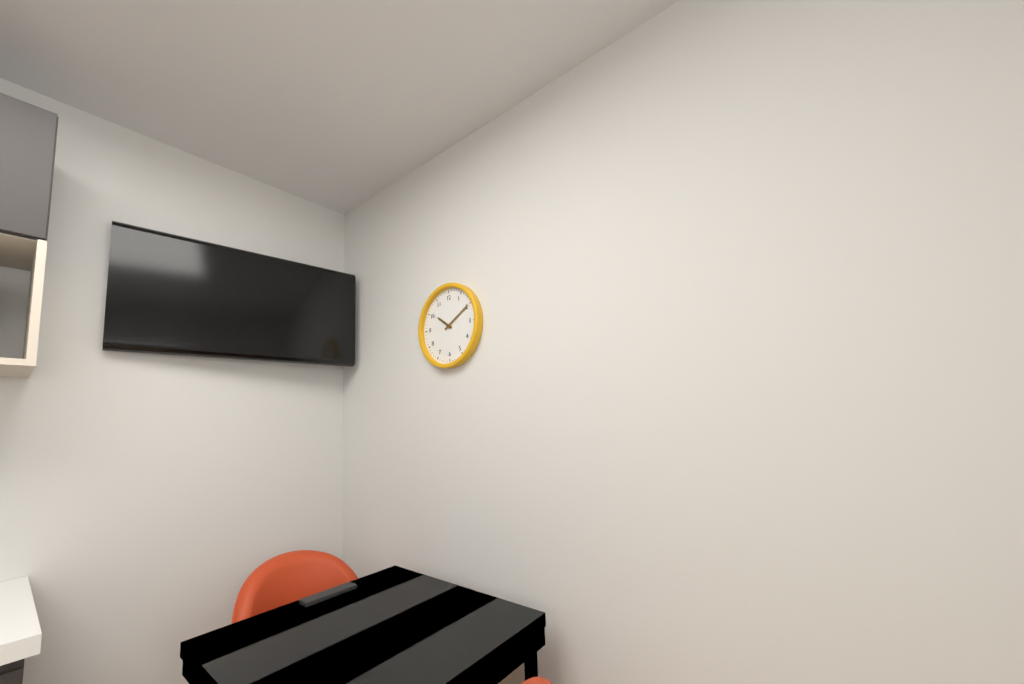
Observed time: 10:10
